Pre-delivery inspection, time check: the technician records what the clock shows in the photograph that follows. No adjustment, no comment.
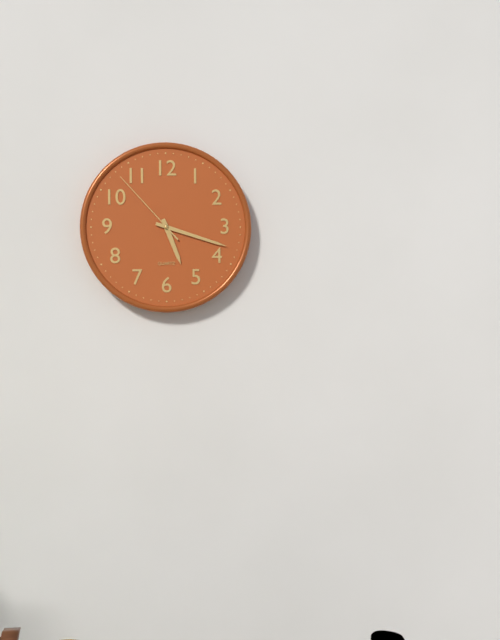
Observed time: 5:18:53
